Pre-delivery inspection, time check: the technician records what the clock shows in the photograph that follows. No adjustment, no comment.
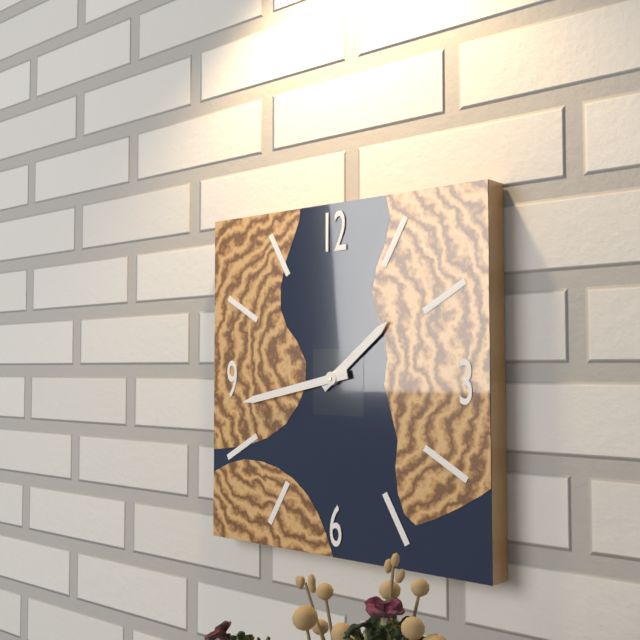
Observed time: 1:43
